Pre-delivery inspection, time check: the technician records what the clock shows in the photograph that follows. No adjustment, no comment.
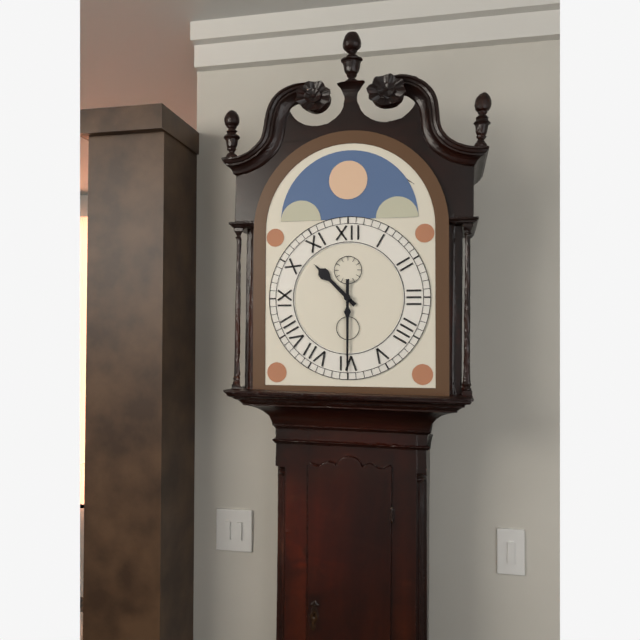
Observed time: 10:30
